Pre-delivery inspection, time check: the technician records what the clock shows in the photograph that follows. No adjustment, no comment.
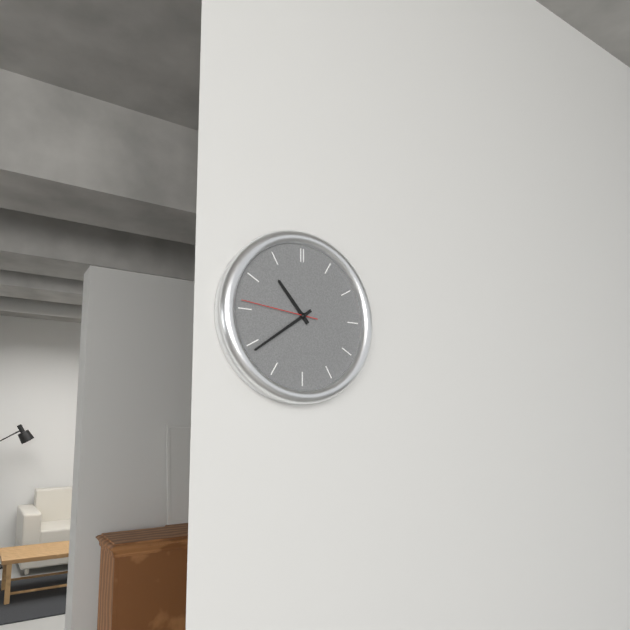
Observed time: 10:39:46
